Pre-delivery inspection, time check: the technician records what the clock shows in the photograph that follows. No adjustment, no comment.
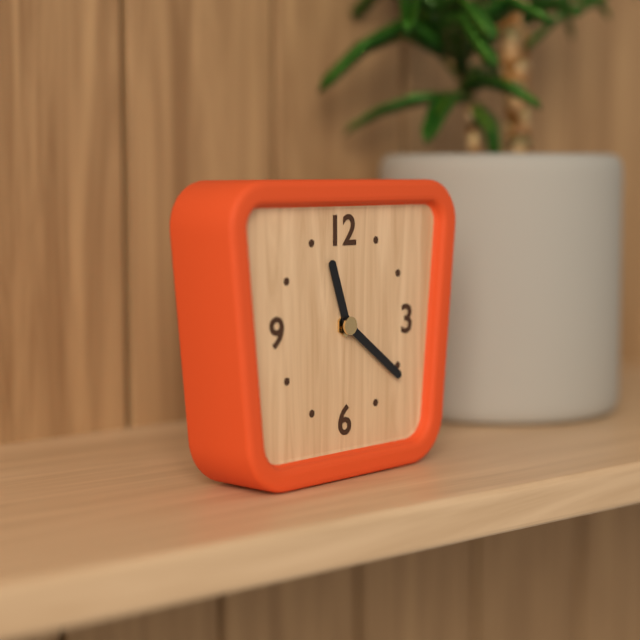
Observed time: 11:21
